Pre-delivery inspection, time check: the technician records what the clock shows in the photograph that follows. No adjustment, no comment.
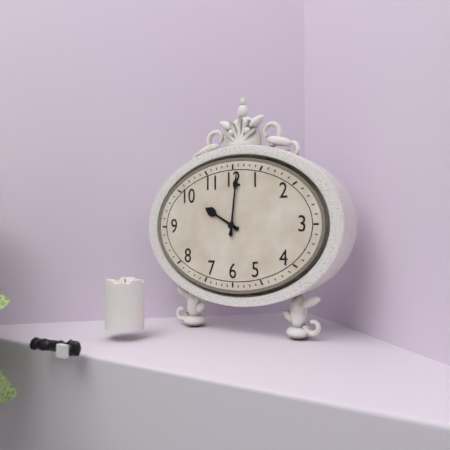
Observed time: 10:01
